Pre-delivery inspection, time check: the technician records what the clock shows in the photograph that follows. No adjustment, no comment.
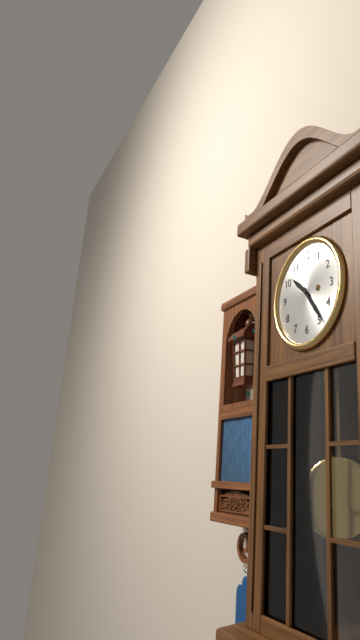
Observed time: 10:24
